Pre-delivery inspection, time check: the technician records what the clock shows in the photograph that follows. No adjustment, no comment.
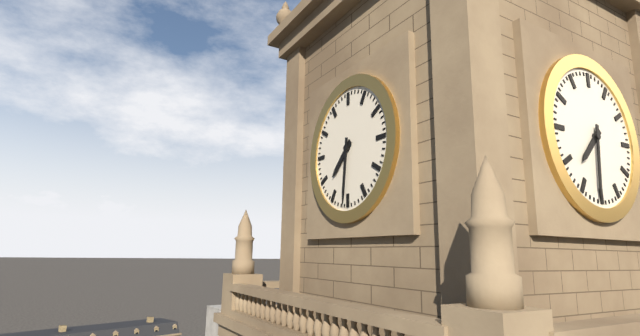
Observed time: 7:31
